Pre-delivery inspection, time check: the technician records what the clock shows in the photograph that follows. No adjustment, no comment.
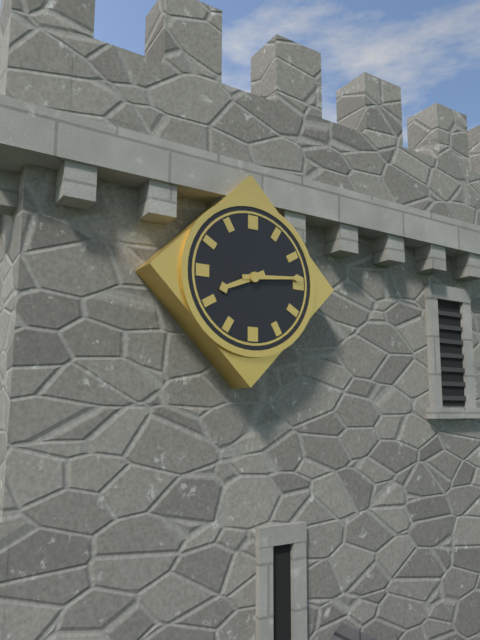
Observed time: 8:14
